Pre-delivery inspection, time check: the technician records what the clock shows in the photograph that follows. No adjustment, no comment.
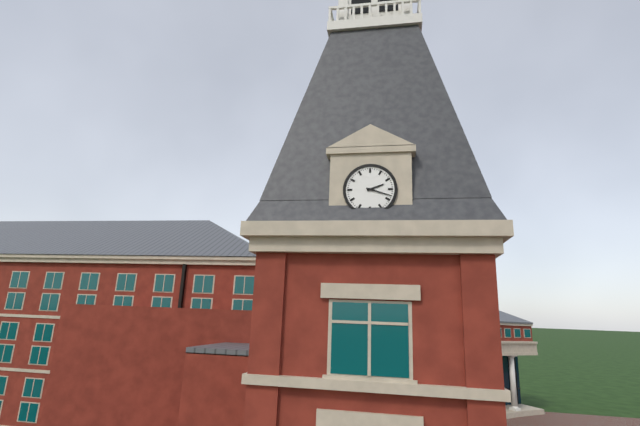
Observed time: 2:18
